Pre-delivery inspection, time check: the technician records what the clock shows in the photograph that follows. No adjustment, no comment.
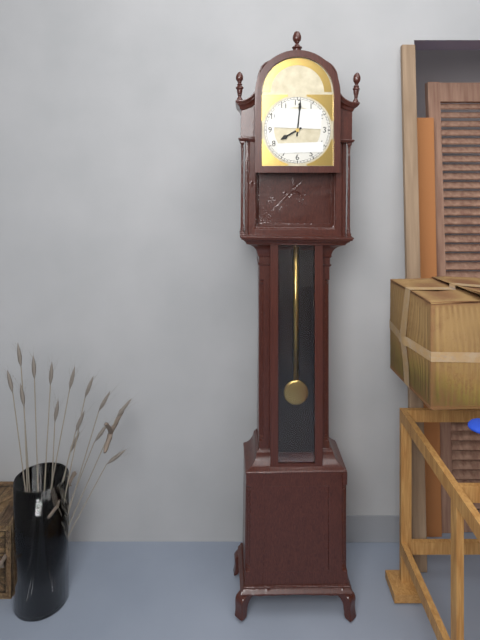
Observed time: 8:01
